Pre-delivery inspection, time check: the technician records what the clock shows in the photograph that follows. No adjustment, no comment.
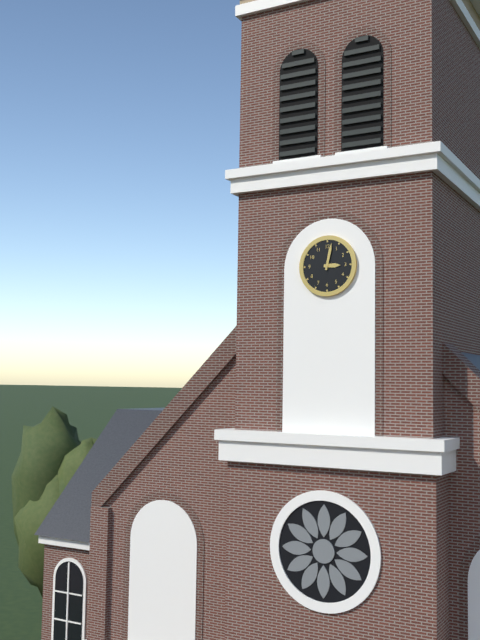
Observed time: 3:02
